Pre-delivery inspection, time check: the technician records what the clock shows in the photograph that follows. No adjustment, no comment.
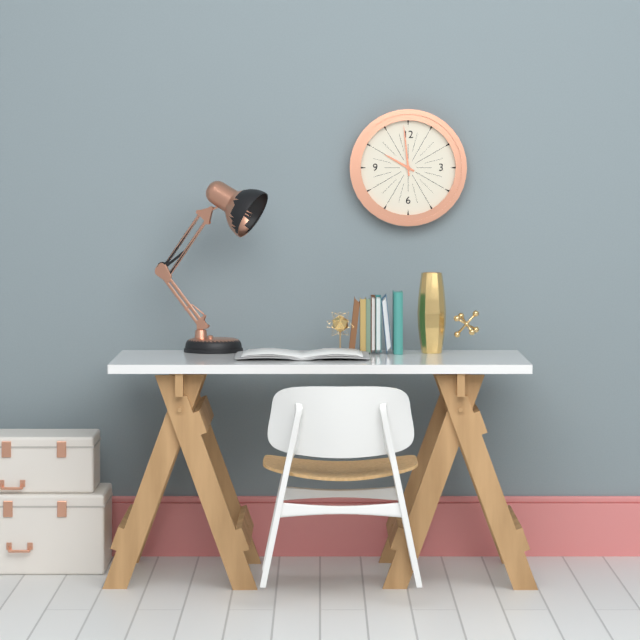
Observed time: 9:59
